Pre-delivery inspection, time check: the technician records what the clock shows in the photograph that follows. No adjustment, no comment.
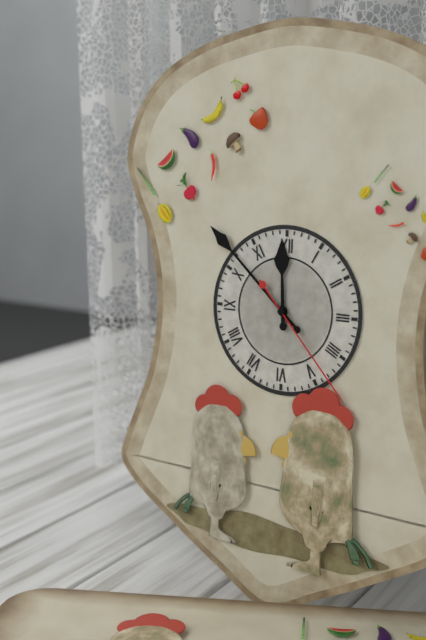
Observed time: 11:52:23
